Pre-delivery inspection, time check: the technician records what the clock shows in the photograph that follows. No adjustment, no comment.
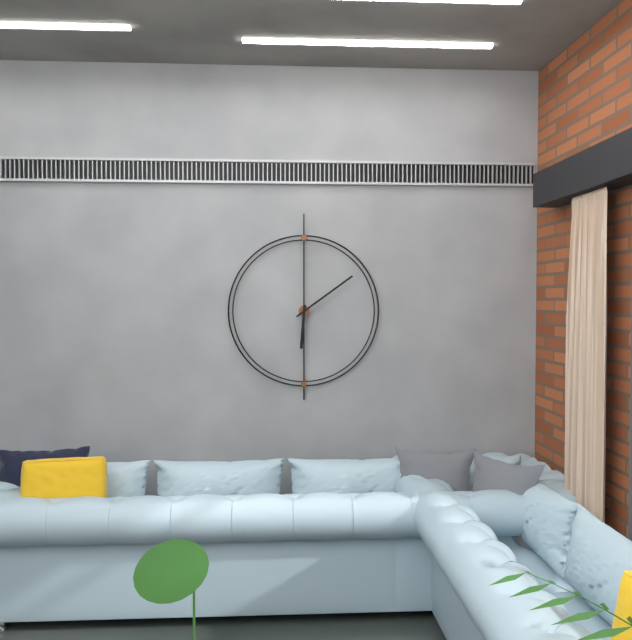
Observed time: 6:09
